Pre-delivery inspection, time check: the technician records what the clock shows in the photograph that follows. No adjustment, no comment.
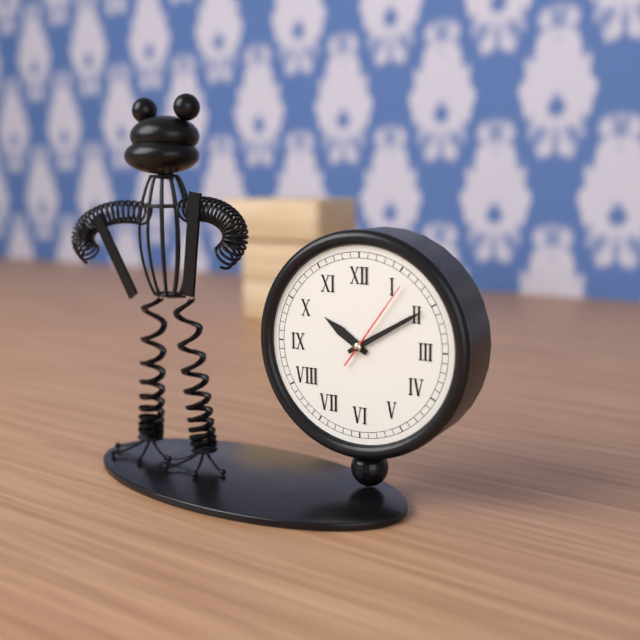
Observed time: 10:10:06
